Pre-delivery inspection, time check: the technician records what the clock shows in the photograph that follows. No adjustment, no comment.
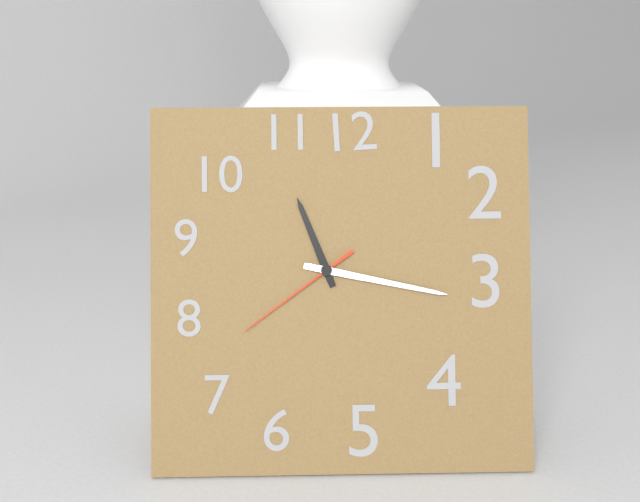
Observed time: 11:17:39
